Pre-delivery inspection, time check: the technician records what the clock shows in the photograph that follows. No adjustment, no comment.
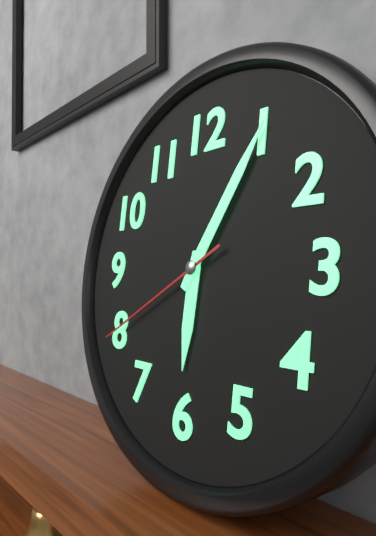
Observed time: 6:05:40
